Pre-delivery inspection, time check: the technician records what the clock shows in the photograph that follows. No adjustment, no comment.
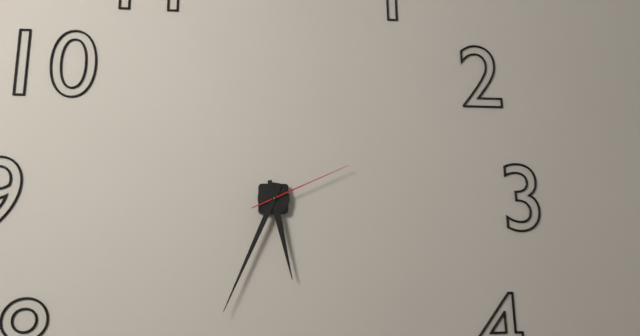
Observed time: 5:34:11
